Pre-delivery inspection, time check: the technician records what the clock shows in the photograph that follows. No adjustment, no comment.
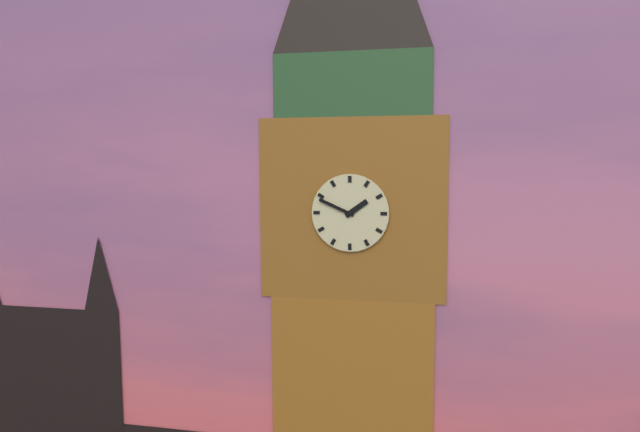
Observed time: 1:49
